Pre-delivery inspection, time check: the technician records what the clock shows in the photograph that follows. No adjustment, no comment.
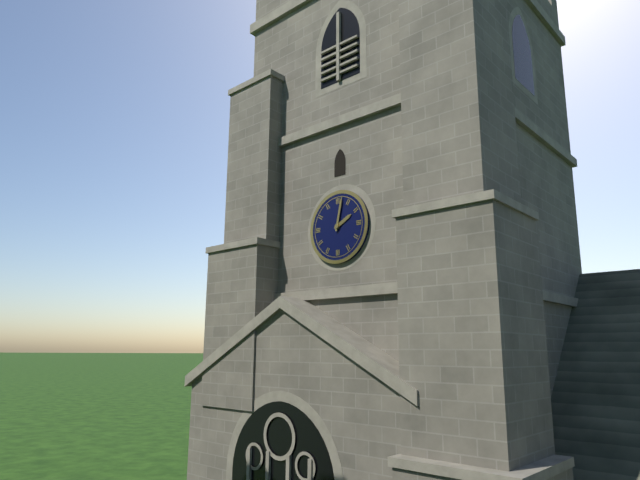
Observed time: 2:02
